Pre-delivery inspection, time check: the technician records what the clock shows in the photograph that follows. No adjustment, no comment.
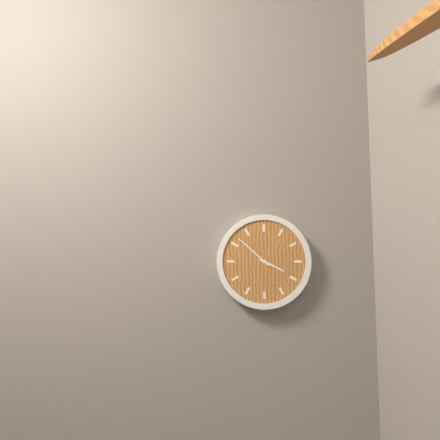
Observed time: 3:52
